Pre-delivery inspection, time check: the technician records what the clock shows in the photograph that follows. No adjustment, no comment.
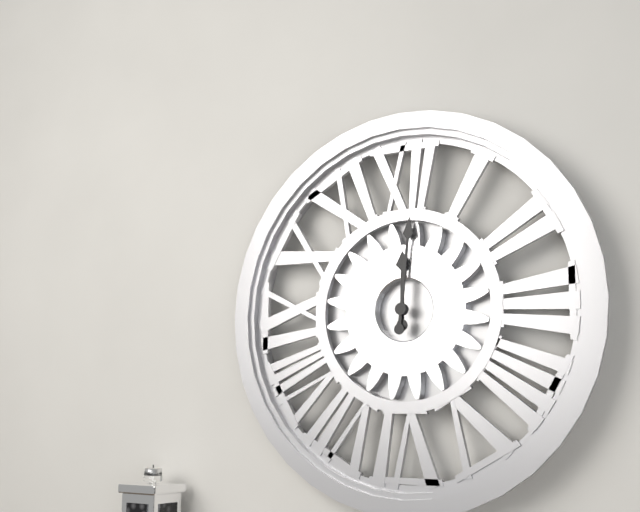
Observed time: 12:01
